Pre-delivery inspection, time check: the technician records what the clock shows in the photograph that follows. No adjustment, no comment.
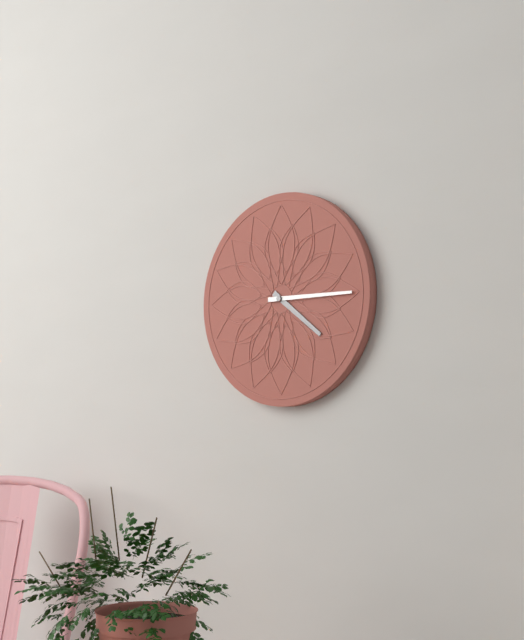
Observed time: 4:15
